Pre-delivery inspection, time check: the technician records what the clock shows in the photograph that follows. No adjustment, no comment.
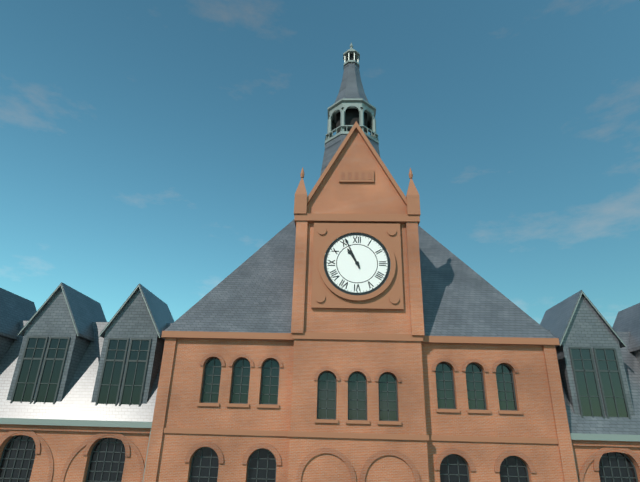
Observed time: 10:56
